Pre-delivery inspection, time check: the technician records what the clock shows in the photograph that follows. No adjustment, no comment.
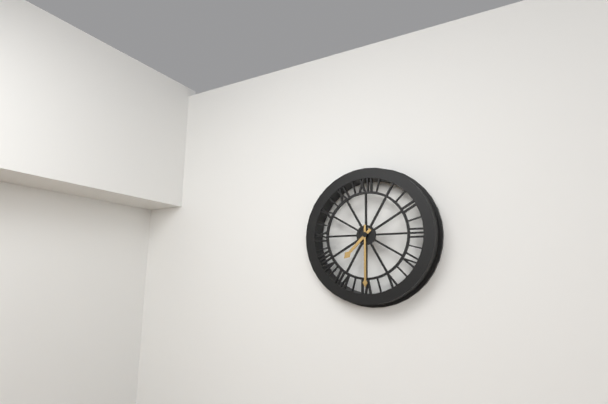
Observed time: 7:30
